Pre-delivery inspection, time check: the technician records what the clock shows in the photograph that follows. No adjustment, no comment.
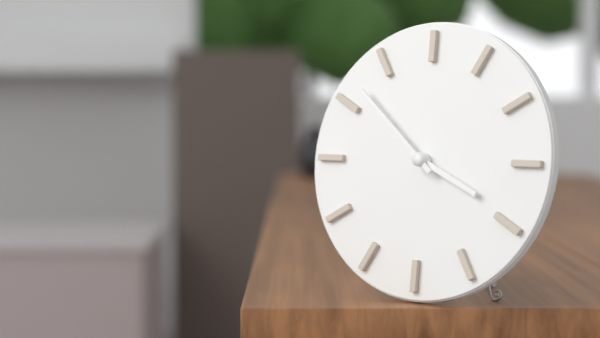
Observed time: 3:52
